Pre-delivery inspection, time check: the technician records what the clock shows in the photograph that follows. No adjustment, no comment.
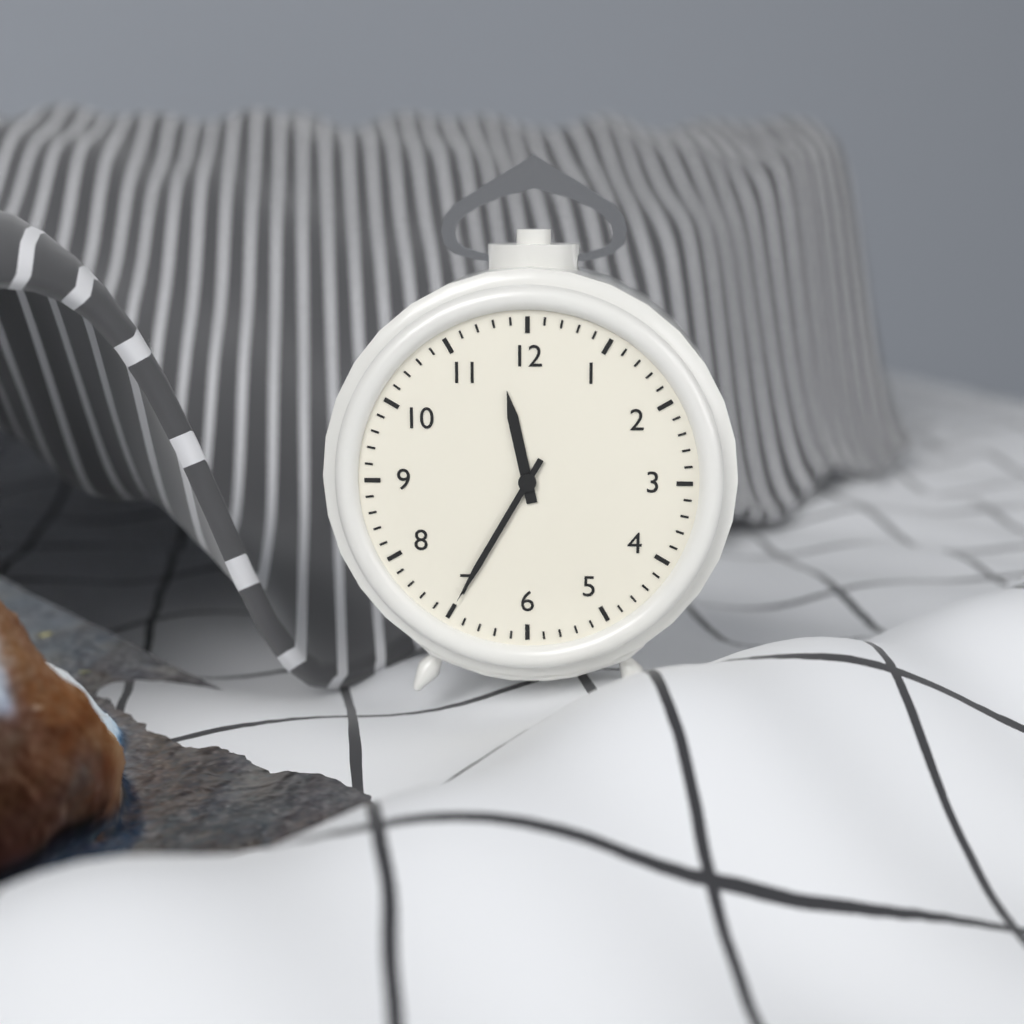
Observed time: 11:35
